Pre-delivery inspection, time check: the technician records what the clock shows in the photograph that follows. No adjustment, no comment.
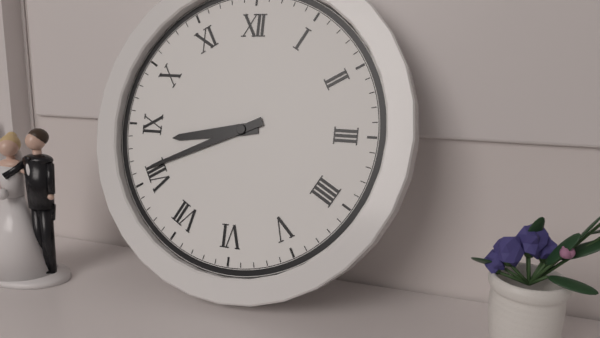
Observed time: 8:41
